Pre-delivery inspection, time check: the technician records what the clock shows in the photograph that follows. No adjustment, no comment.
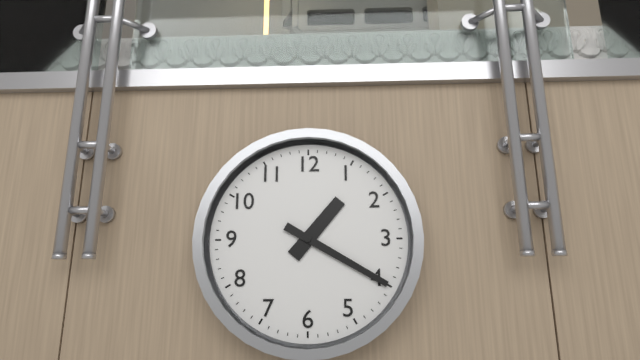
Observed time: 1:20
